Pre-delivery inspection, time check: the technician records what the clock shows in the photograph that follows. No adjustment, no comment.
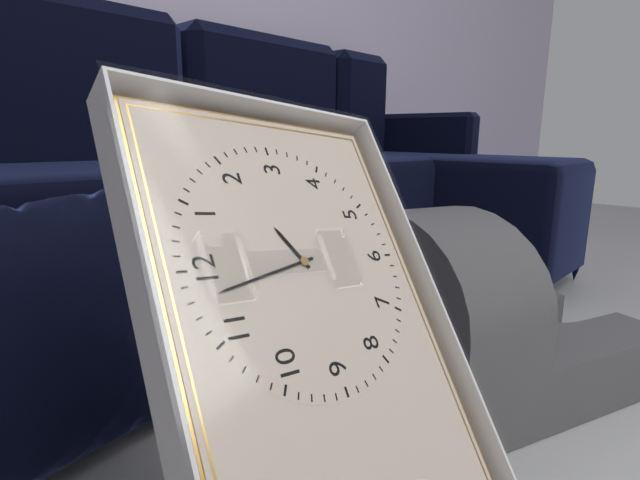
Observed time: 1:58
